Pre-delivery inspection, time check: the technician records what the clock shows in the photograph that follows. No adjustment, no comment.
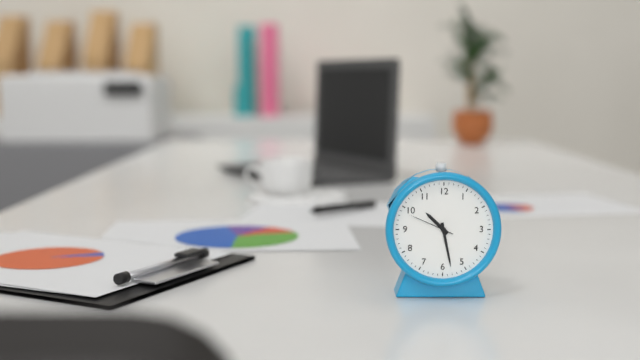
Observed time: 10:28
